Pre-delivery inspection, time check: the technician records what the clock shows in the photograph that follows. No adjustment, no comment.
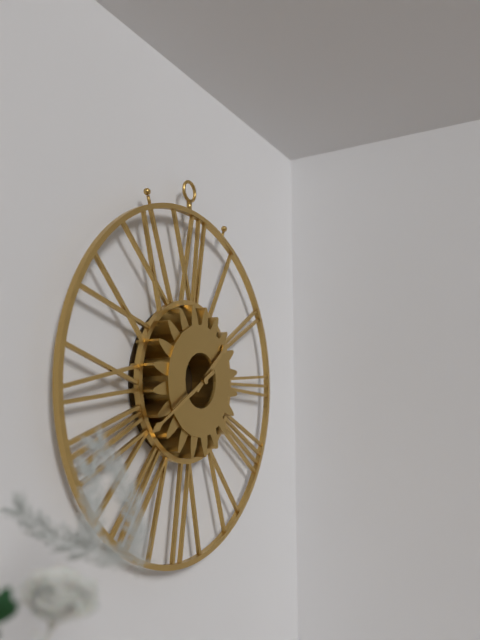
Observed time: 1:40
